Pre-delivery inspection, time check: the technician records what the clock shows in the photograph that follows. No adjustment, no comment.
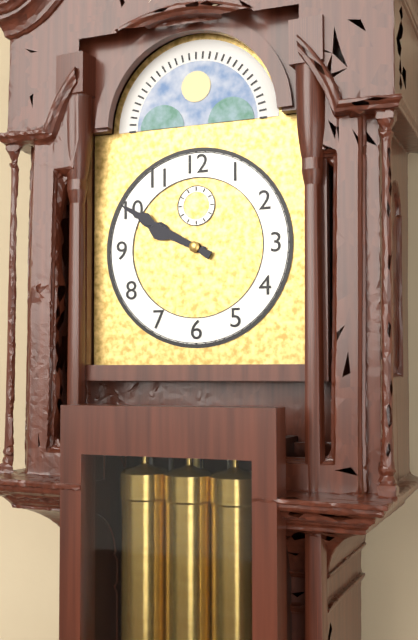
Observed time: 9:50
